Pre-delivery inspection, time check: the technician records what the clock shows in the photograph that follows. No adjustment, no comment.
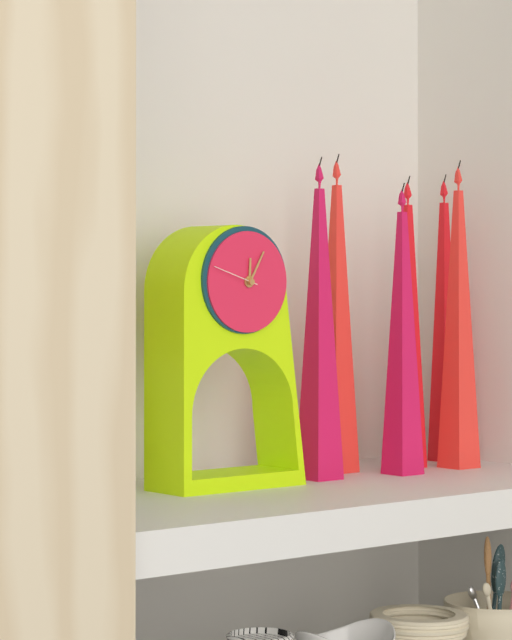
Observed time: 12:05
